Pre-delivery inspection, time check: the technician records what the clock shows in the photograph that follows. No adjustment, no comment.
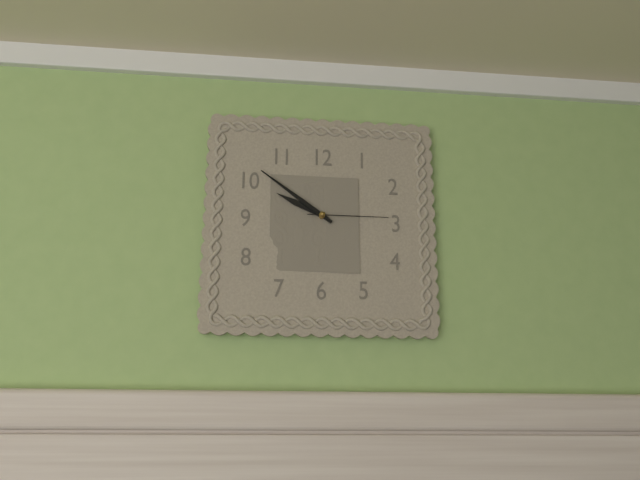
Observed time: 9:51:15
